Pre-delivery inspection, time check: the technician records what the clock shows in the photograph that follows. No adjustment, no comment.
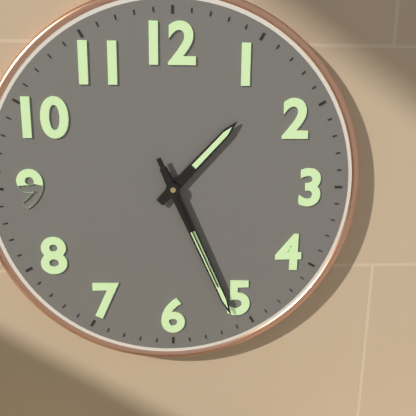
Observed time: 1:26:26
